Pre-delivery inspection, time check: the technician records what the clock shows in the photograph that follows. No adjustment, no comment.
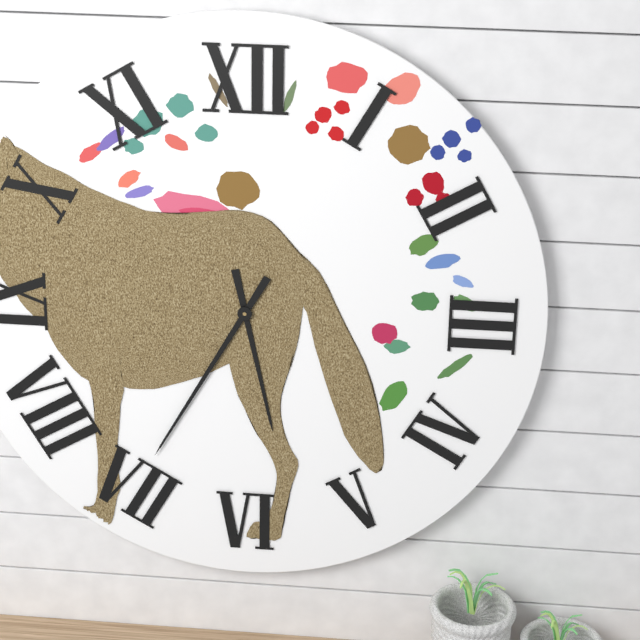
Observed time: 5:35
